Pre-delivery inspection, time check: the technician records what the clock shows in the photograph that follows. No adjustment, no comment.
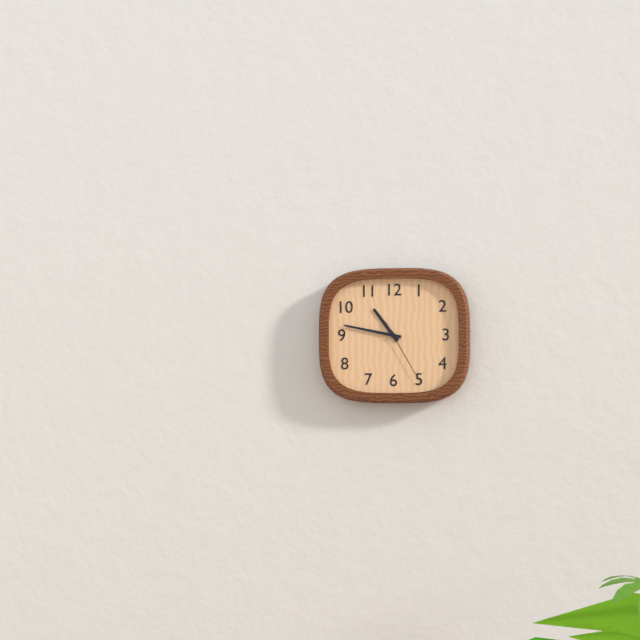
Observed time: 10:47:25
